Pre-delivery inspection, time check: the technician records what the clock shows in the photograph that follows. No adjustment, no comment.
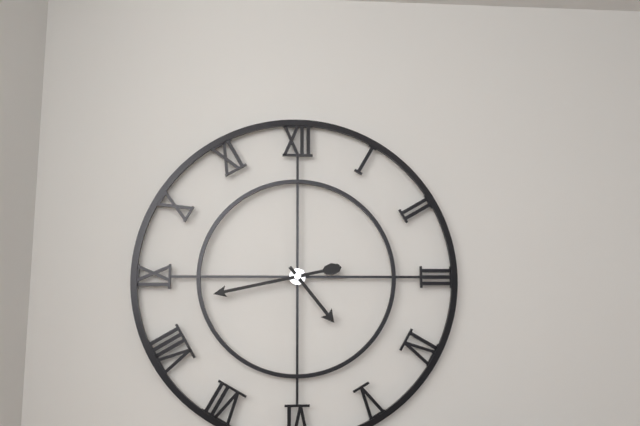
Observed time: 4:43
